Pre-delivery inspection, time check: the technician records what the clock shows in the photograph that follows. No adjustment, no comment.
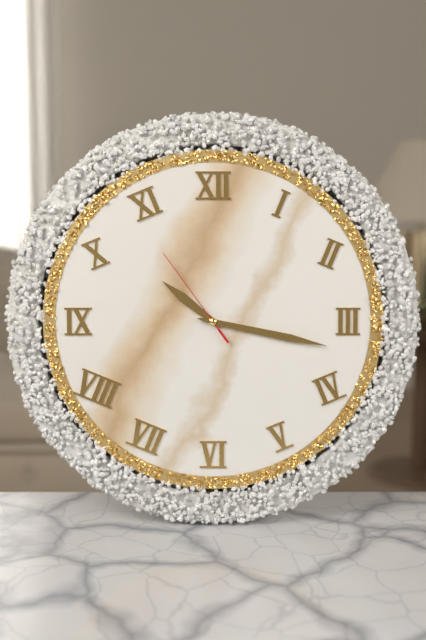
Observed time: 10:17:54
